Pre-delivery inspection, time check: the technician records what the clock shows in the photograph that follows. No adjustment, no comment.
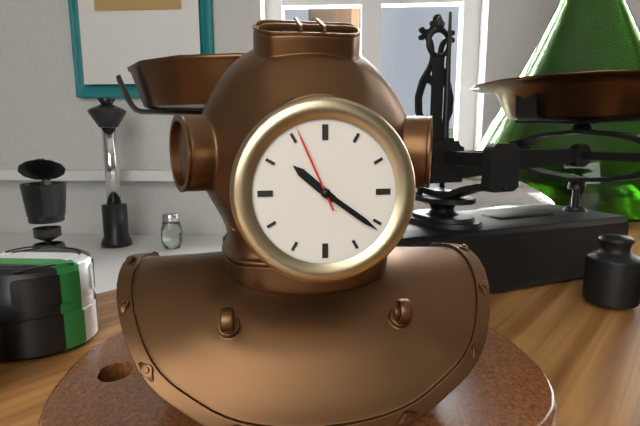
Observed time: 10:21:56
